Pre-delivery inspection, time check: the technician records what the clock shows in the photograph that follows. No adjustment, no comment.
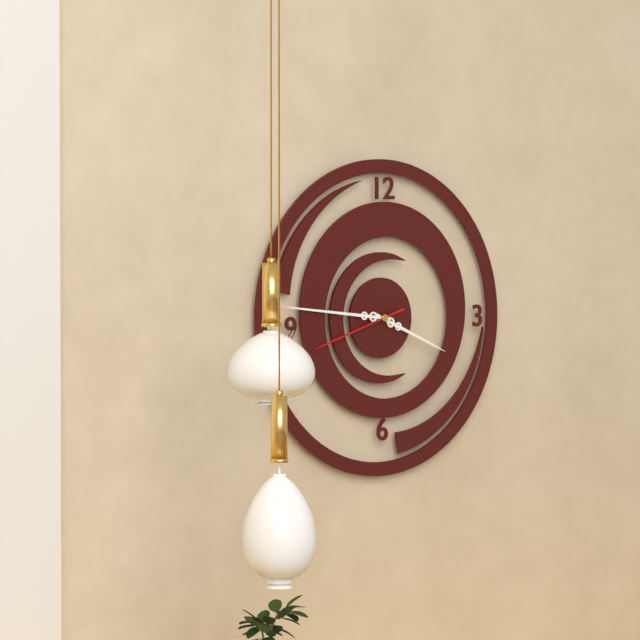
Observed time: 3:46:42
